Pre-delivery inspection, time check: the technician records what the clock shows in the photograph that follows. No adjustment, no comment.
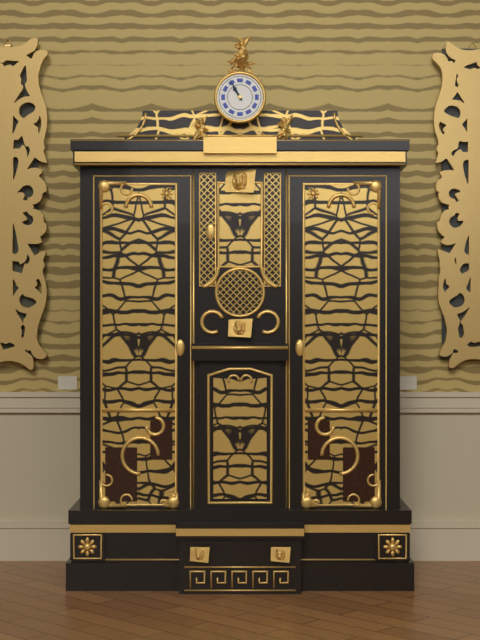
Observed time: 10:55
